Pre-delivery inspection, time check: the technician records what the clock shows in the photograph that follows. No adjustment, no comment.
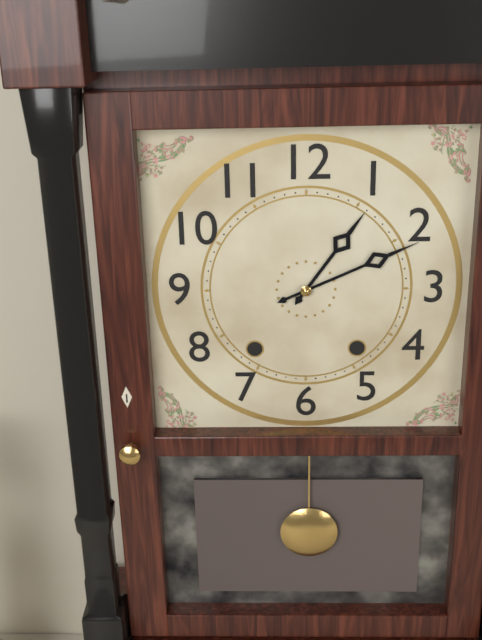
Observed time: 1:11
